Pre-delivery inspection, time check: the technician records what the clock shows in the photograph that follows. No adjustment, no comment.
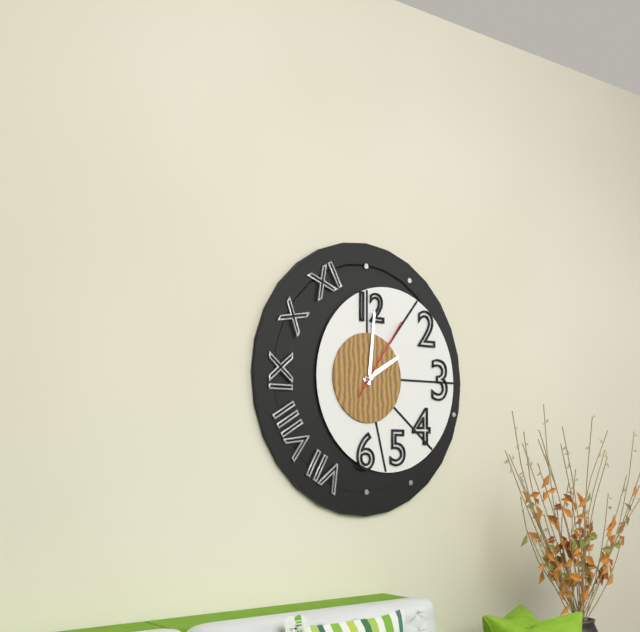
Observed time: 2:01:06
